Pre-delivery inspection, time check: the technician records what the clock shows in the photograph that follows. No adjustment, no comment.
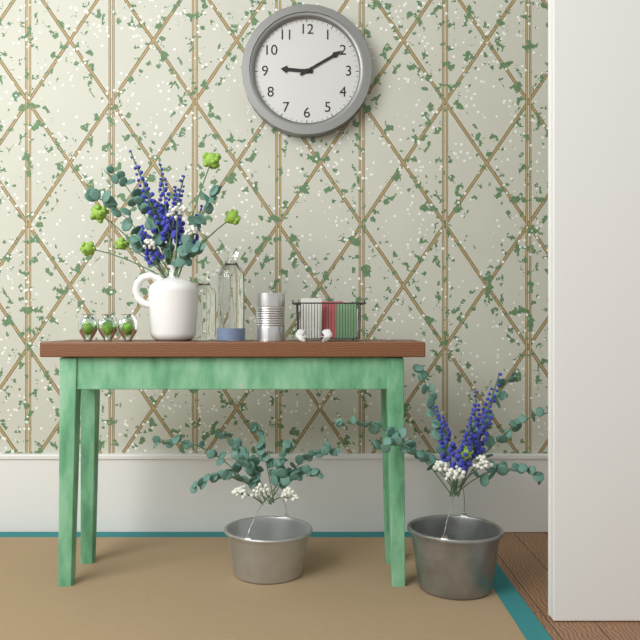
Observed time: 9:10
